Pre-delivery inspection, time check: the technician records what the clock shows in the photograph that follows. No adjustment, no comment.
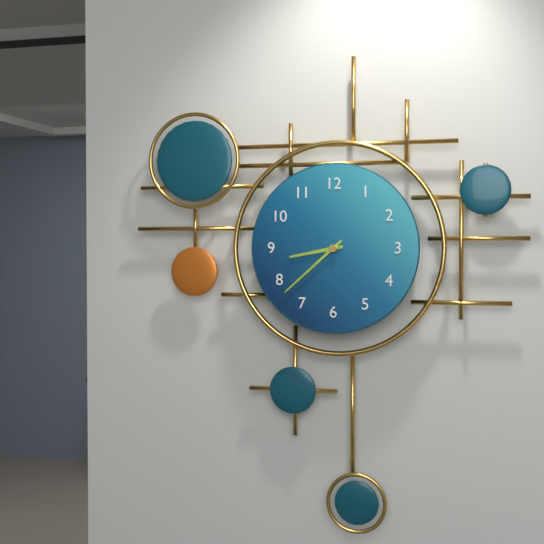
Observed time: 8:38
